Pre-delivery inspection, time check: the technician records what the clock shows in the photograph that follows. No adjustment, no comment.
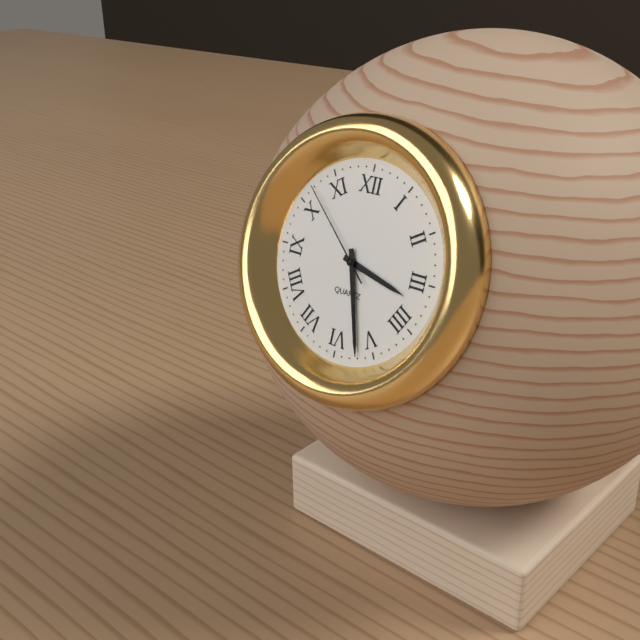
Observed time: 3:27:52
